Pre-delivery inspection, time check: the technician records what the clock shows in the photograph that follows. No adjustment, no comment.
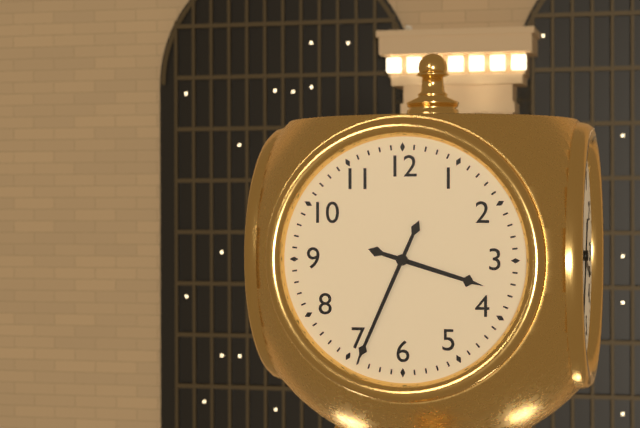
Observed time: 3:34
